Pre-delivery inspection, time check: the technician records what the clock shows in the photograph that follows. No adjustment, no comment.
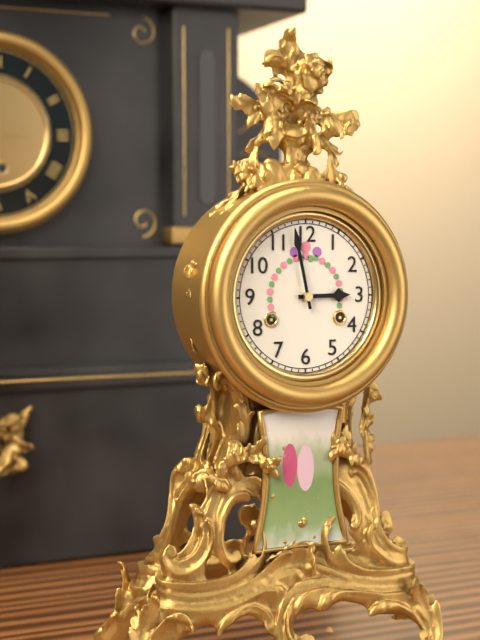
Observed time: 2:58
